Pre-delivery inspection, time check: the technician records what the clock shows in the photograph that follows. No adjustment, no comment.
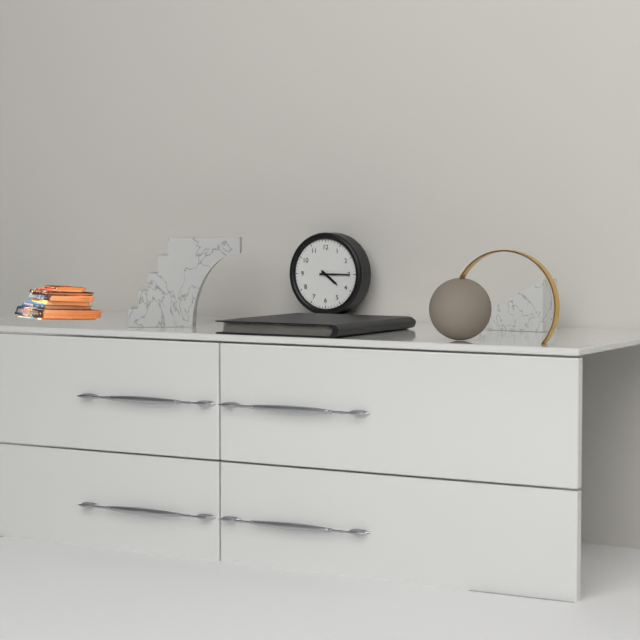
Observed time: 4:15
